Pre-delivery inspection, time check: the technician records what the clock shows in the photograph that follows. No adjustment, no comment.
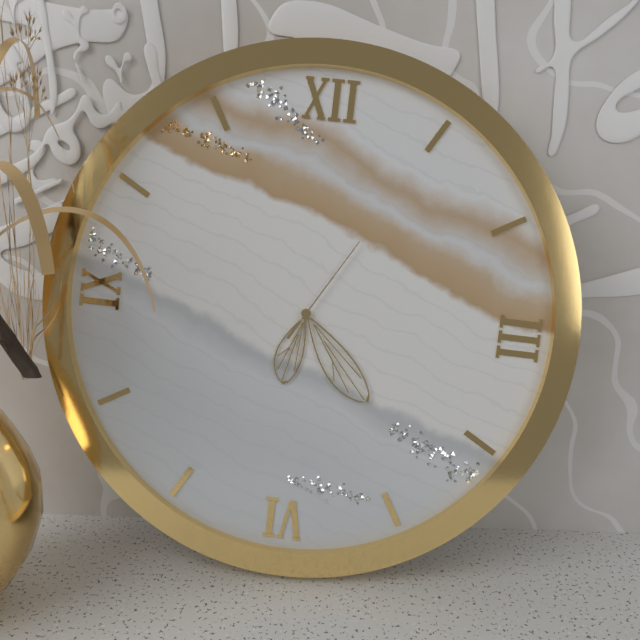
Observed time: 6:23:05
